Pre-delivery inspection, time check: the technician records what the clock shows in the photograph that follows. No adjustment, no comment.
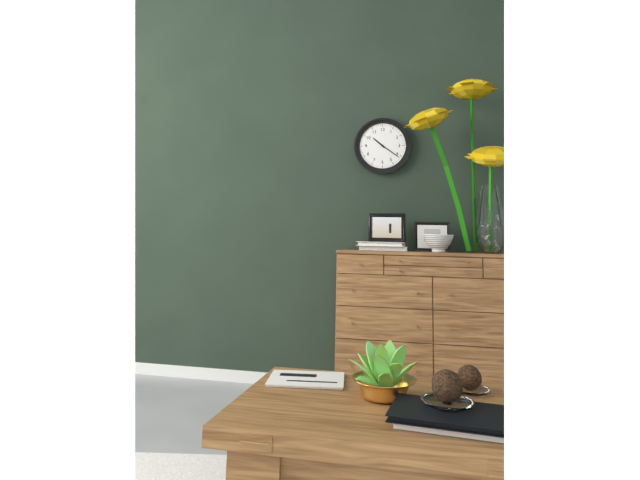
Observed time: 10:21
